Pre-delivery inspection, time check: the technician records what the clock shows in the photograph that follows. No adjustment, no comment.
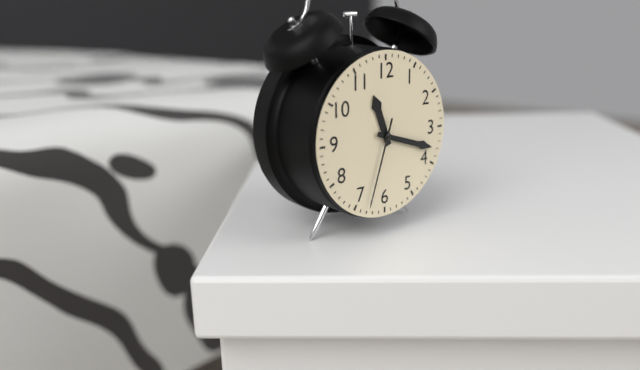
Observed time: 11:18:33
